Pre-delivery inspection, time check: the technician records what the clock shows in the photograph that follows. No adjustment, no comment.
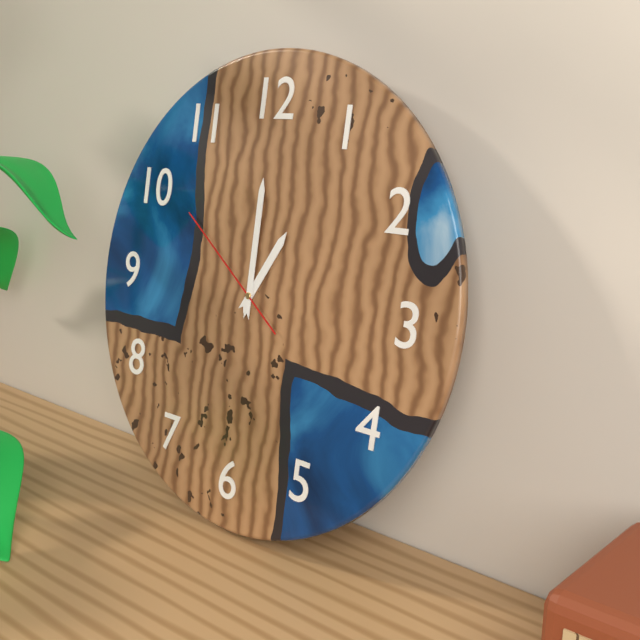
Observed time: 1:00:51
